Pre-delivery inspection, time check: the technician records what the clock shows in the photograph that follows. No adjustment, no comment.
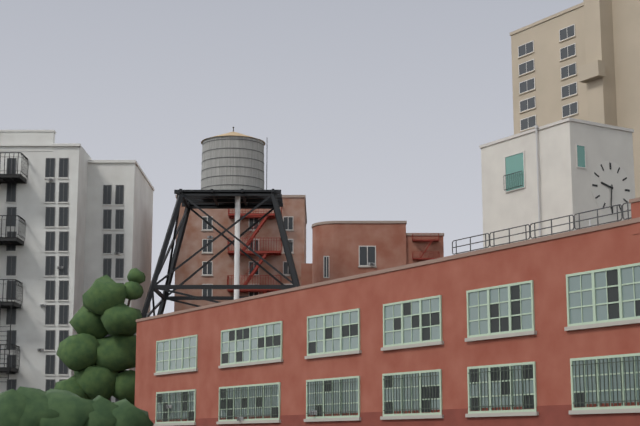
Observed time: 9:31
